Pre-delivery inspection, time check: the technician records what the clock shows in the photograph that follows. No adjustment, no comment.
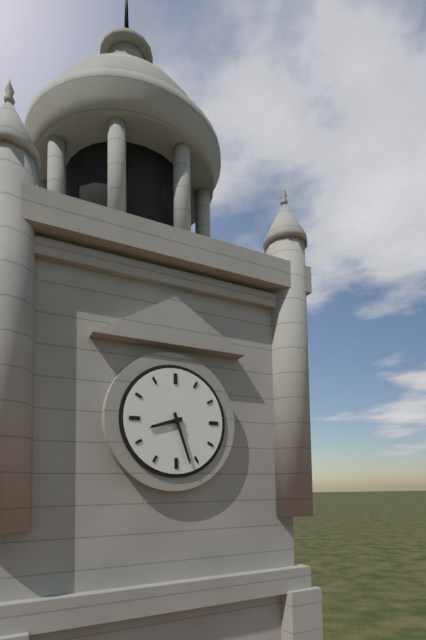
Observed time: 8:27
